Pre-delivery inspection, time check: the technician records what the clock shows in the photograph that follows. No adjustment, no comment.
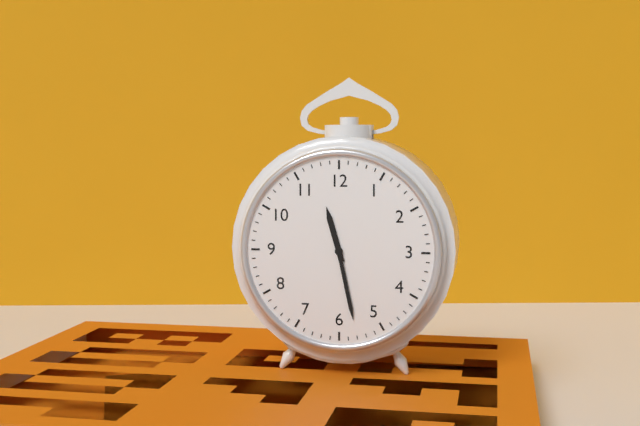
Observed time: 11:28
